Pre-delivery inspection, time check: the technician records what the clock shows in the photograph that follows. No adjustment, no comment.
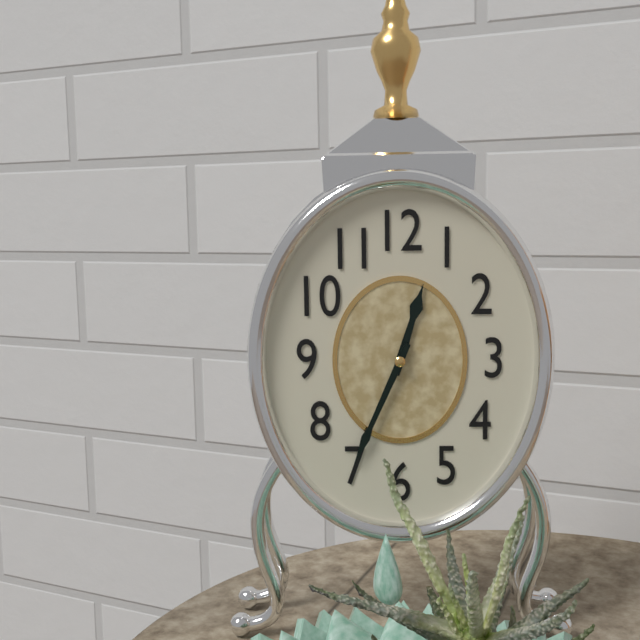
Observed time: 12:34
